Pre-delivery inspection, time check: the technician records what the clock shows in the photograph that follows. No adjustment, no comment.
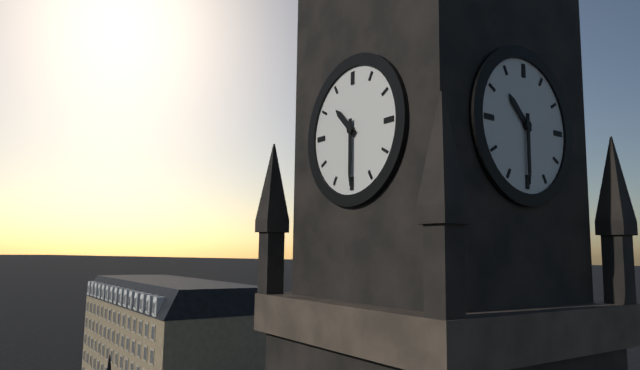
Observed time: 10:30
